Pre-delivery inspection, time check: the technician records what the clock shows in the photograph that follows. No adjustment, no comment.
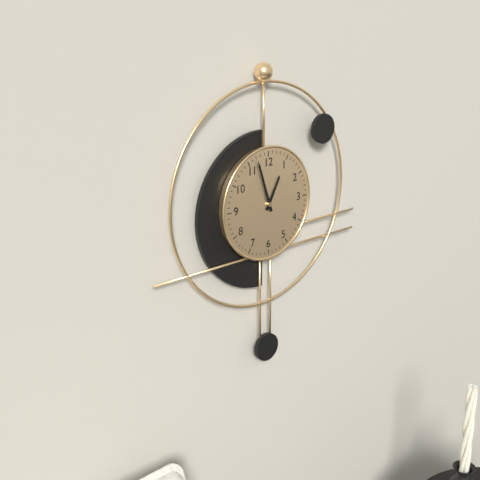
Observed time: 12:57
